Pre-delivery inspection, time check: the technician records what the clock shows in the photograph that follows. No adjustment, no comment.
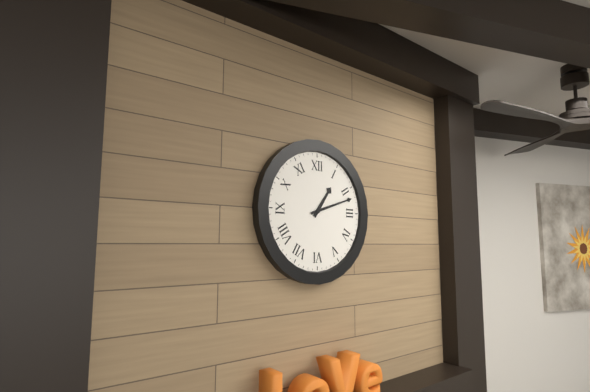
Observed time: 1:12
